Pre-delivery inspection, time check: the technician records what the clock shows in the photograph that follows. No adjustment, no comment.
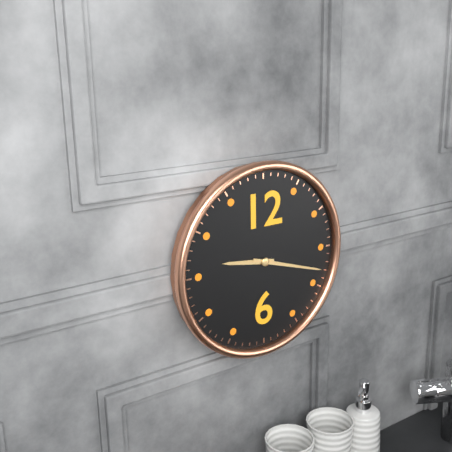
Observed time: 9:18
